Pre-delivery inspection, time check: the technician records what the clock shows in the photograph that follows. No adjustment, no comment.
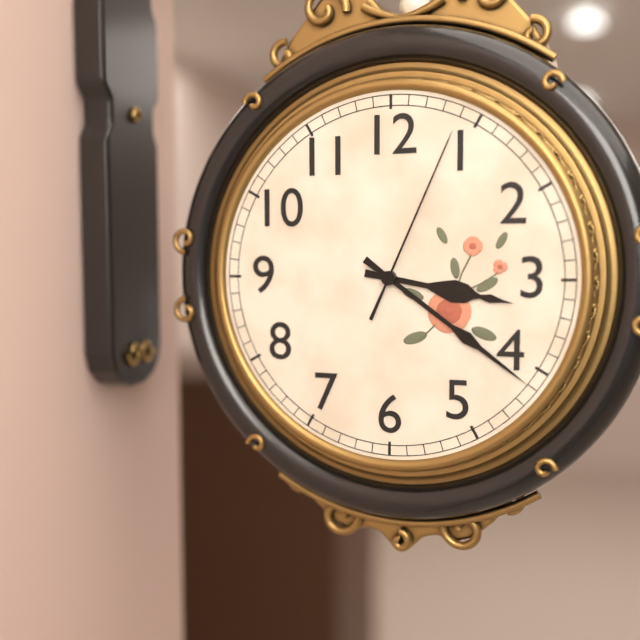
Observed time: 3:21:04
